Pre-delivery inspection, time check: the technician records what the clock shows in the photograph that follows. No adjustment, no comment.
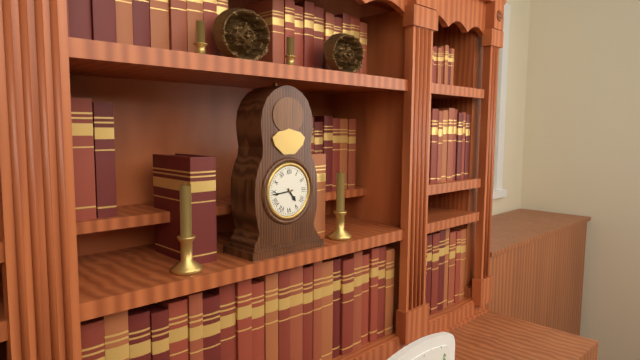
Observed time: 4:44
